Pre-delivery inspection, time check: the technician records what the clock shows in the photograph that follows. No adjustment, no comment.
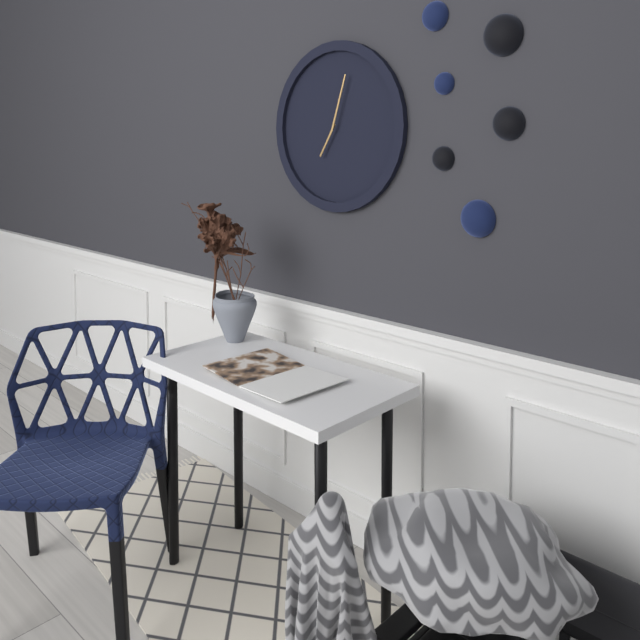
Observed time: 7:03
